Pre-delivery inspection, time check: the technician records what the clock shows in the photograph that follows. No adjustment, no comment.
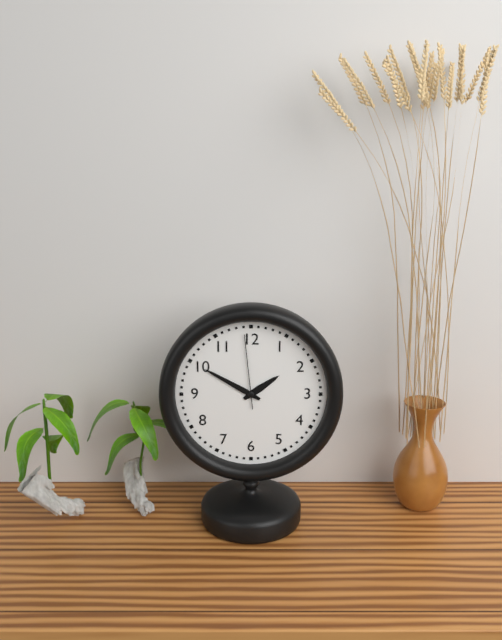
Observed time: 1:50:59
